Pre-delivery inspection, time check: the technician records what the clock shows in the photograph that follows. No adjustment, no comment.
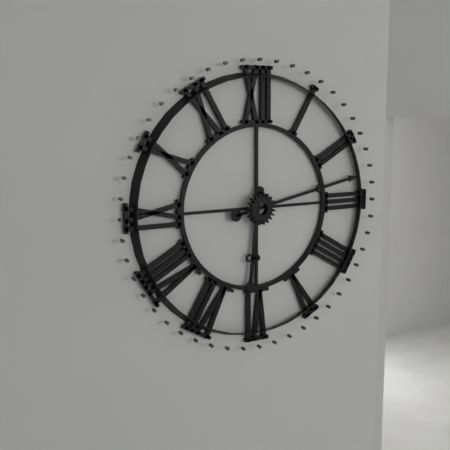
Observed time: 6:13
